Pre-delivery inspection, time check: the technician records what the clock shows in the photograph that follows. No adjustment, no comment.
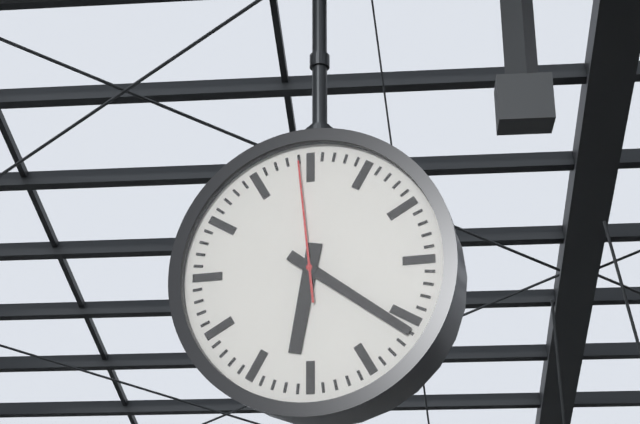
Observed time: 6:21:59
